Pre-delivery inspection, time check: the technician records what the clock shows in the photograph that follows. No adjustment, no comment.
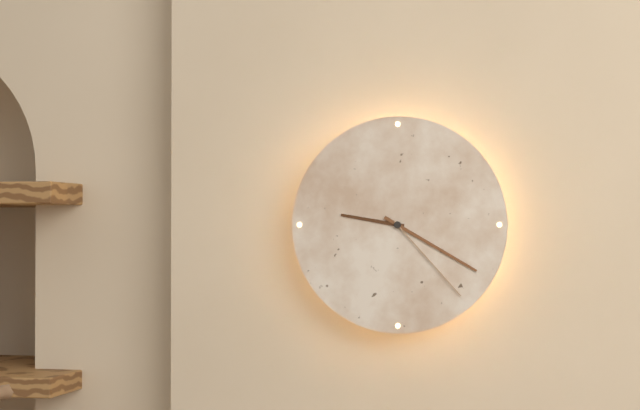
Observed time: 9:20:23
